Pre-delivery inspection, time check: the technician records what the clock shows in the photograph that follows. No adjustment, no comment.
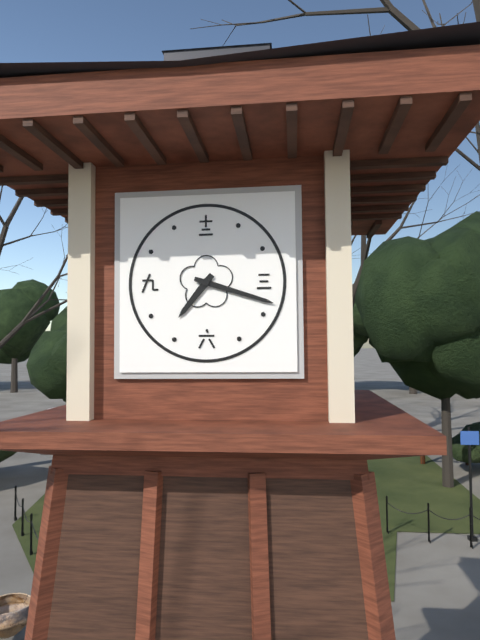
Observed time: 7:18
